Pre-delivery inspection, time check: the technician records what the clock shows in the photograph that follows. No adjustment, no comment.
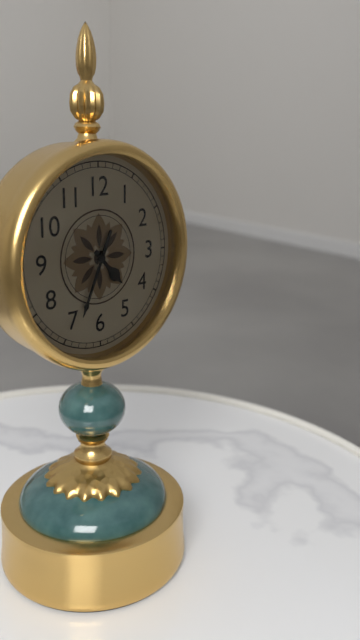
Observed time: 4:34
